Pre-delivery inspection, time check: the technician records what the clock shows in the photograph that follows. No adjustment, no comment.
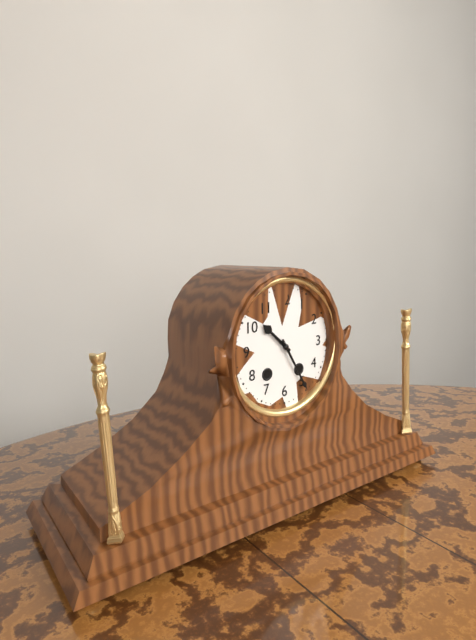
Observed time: 10:25
